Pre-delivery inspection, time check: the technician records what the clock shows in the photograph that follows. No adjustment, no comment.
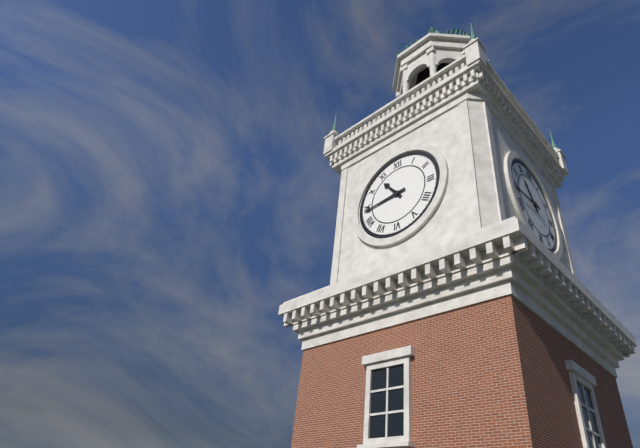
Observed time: 10:44
